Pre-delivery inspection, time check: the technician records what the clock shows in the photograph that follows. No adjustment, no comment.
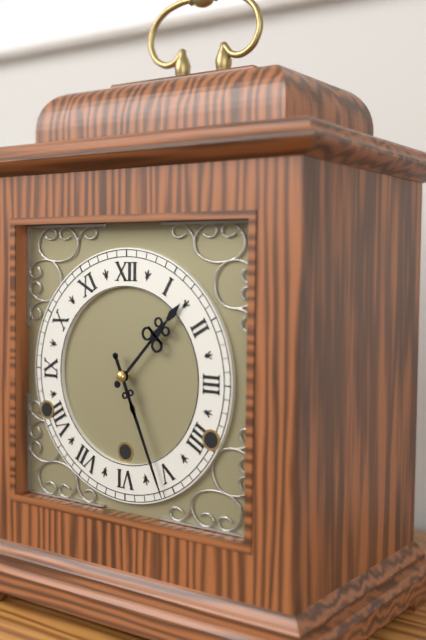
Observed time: 1:26
